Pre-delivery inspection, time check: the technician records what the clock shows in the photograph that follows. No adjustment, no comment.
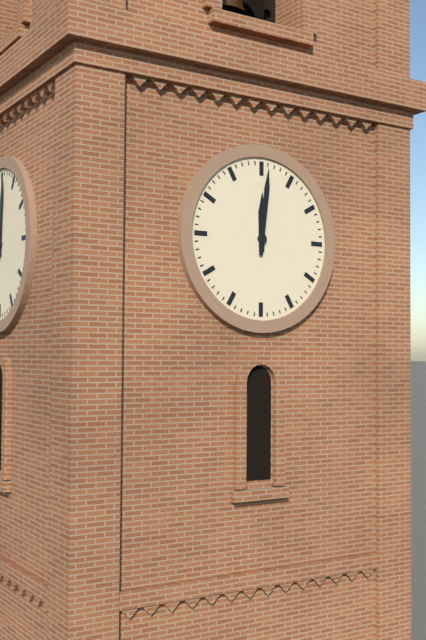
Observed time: 12:01
